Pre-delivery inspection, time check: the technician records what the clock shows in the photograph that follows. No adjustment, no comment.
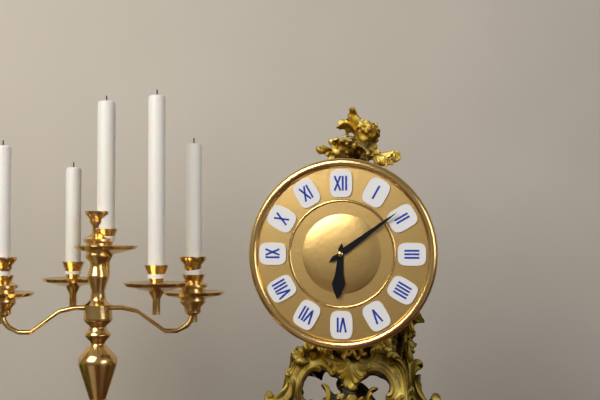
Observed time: 6:09
